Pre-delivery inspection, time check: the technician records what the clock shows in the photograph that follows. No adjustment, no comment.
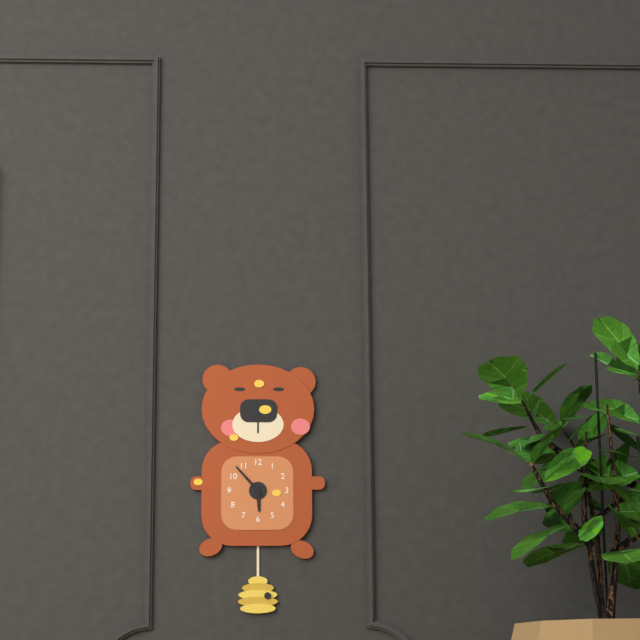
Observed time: 5:53
